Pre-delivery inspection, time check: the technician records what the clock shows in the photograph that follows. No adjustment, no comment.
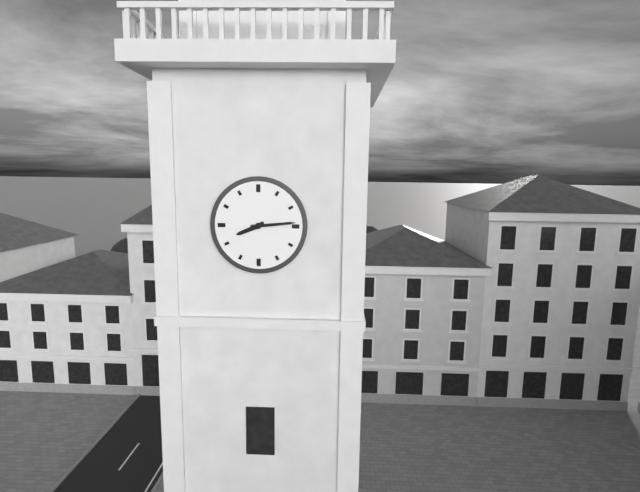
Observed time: 8:14
